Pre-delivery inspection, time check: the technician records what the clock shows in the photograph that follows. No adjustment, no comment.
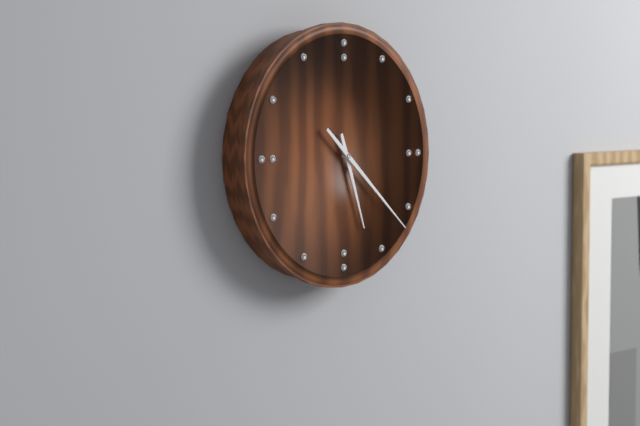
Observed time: 5:22
